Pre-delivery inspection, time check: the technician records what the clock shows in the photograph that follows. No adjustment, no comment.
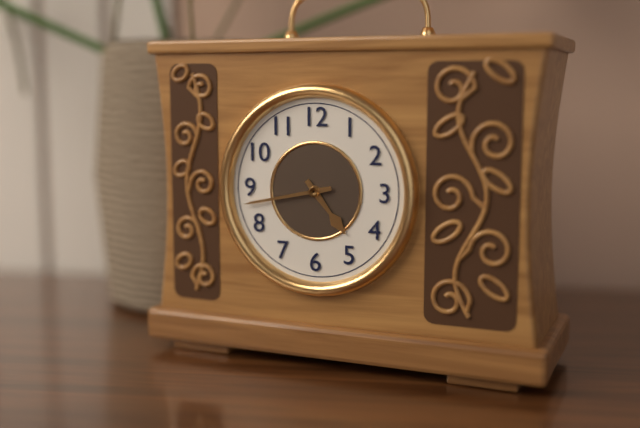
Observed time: 4:43
